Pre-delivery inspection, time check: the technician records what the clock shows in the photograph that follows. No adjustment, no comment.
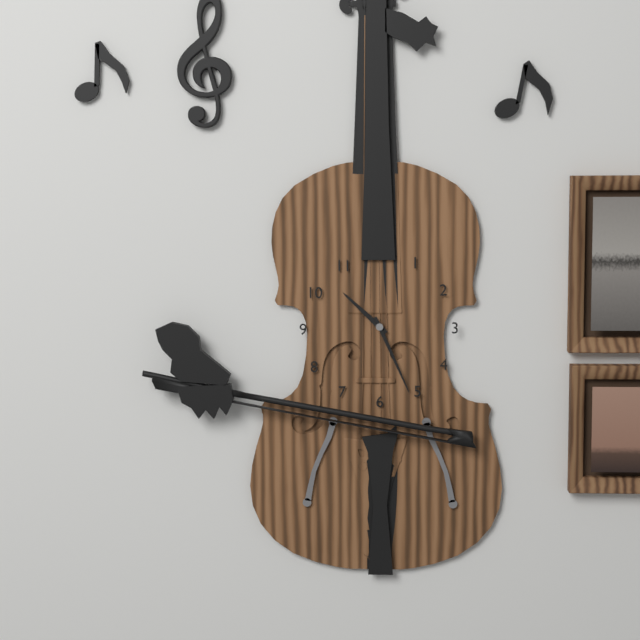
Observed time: 10:26
